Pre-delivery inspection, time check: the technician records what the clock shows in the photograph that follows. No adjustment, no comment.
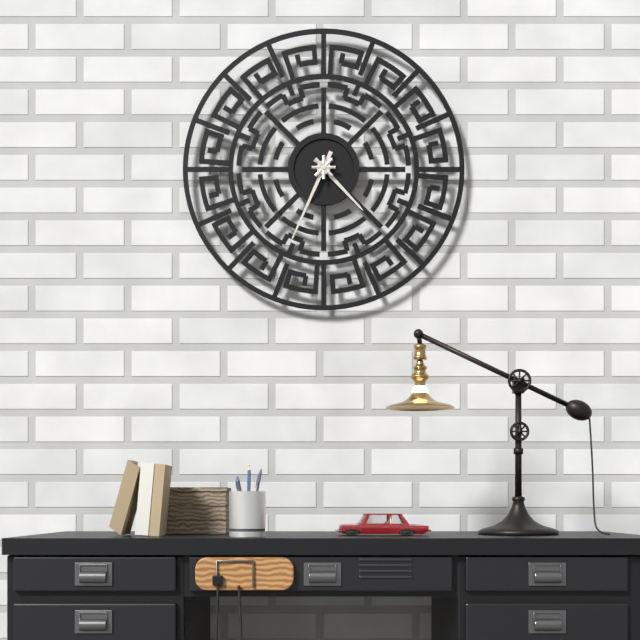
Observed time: 4:34
